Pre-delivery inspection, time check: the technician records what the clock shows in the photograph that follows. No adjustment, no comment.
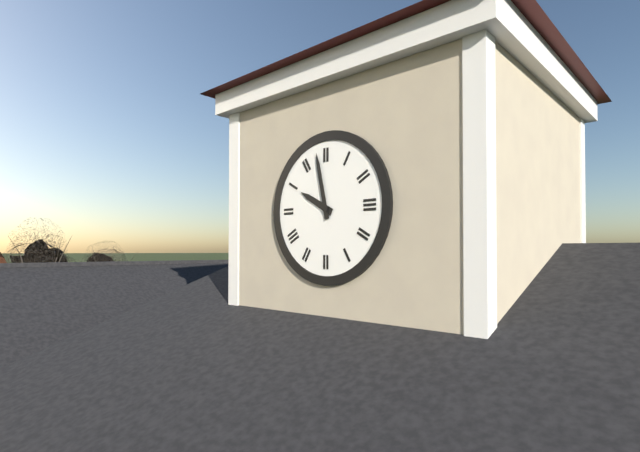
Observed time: 9:58
